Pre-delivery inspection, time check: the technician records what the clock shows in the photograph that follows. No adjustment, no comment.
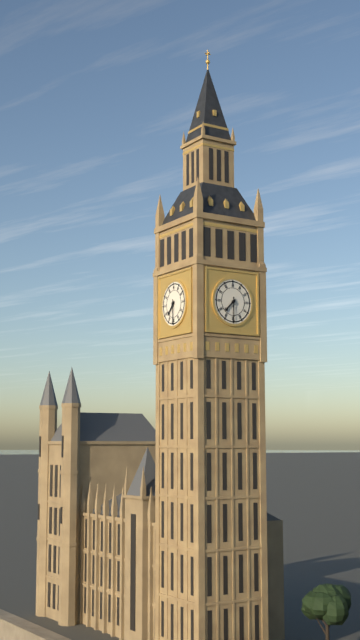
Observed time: 7:30
